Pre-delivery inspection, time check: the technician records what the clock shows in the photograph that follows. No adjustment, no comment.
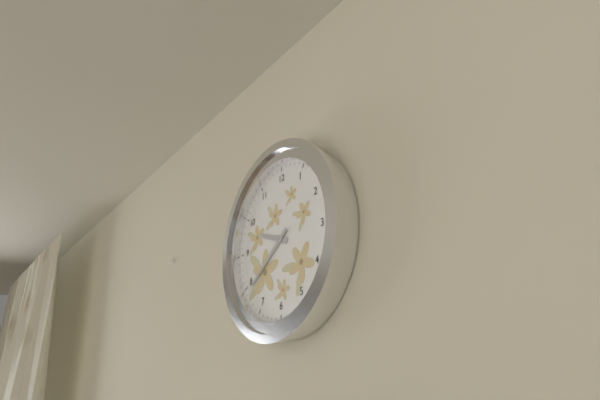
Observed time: 9:39
